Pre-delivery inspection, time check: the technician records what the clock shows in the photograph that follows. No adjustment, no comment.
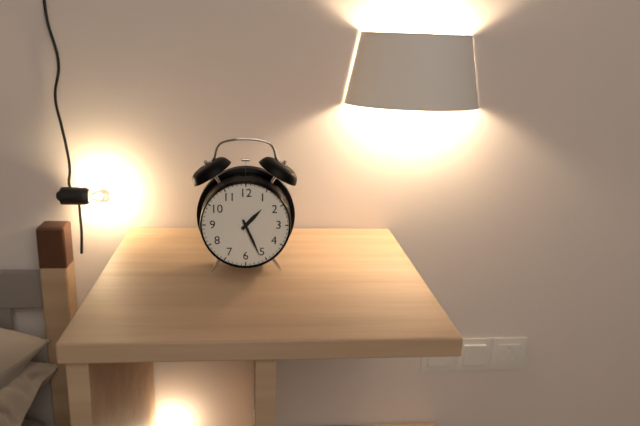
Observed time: 1:26
